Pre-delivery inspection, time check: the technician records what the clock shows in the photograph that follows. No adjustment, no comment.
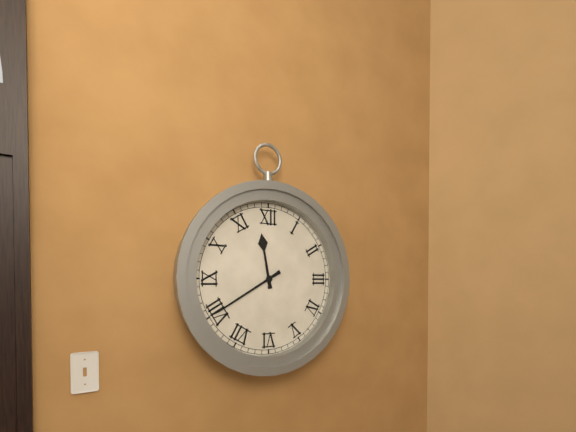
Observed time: 11:40
